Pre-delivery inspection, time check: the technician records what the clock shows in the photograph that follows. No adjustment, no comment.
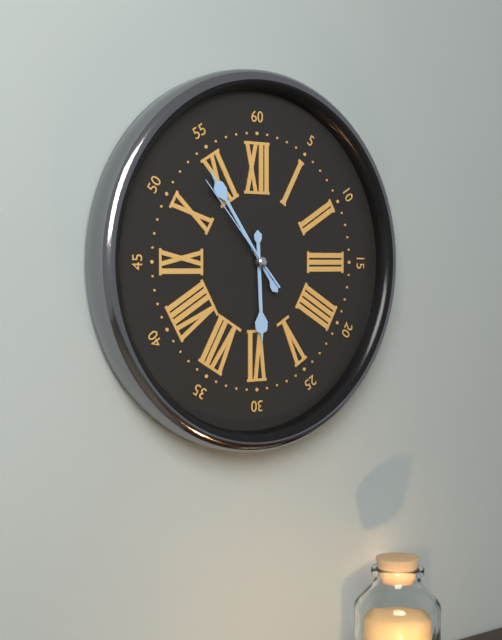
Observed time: 5:54:53
